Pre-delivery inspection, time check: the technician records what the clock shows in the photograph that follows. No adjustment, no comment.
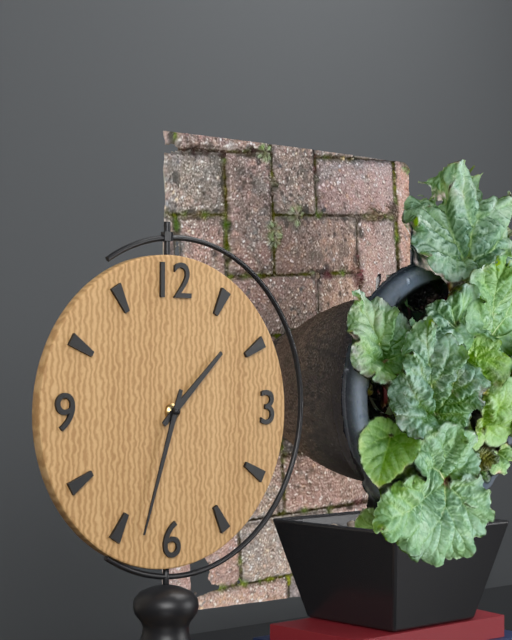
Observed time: 1:33
